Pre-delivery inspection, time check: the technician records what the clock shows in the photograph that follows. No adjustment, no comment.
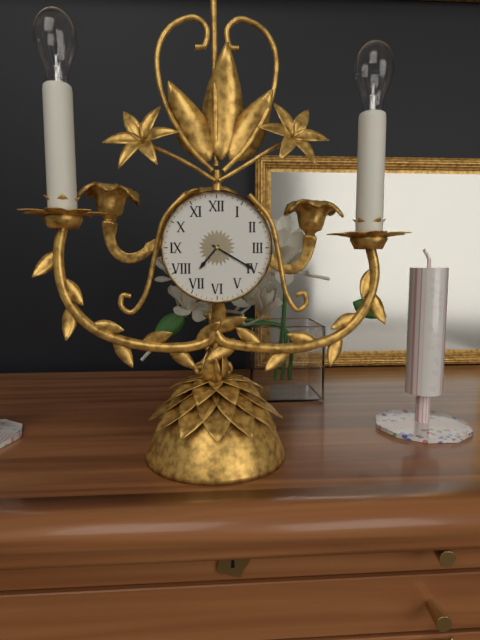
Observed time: 7:20
